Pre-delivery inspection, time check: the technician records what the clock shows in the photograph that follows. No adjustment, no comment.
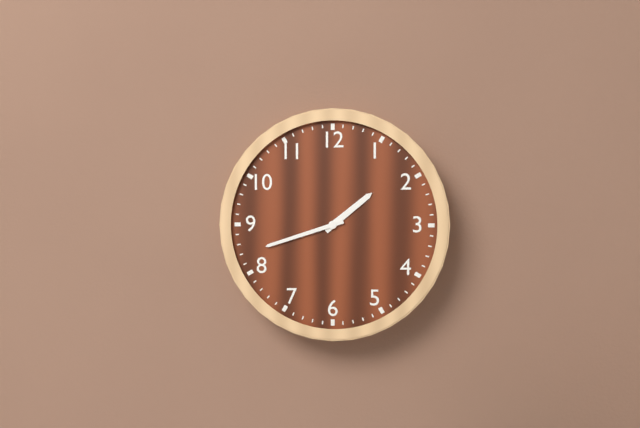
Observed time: 1:42
